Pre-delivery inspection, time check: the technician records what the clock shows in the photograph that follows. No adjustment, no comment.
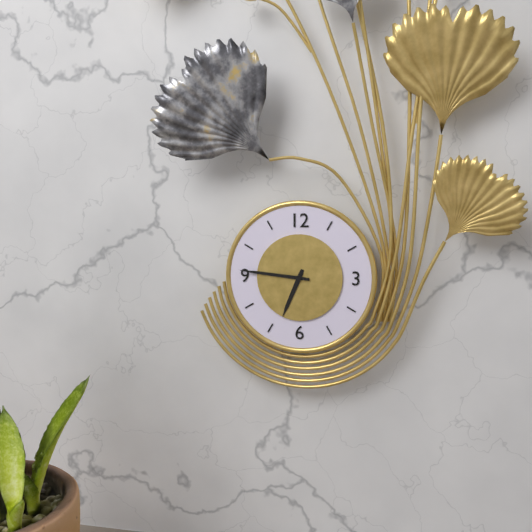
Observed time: 6:46
